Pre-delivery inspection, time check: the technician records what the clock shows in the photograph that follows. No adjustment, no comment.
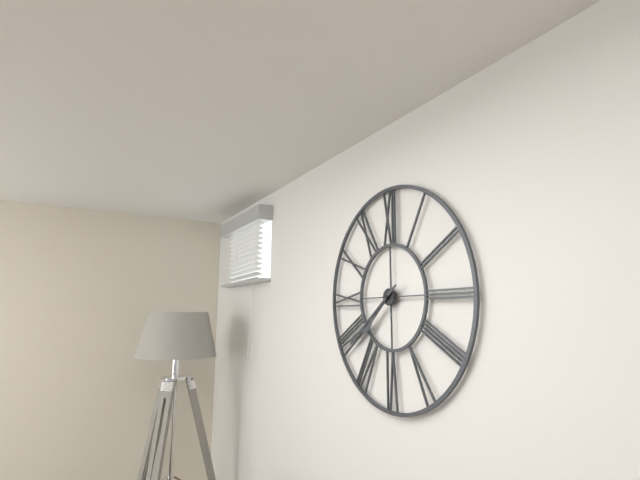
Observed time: 7:39
